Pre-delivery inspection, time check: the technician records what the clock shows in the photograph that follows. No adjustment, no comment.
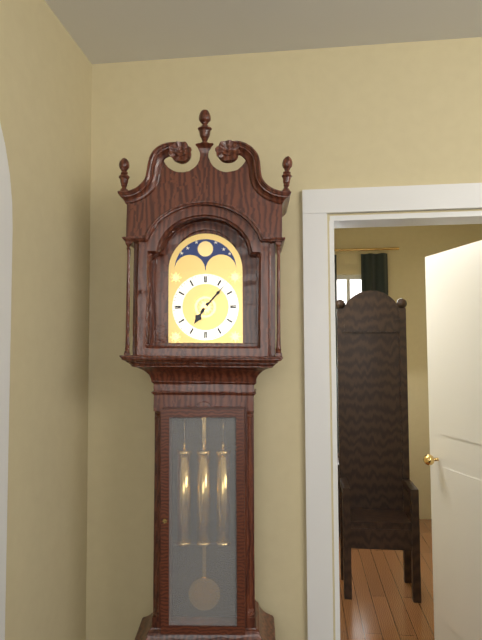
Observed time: 7:07
